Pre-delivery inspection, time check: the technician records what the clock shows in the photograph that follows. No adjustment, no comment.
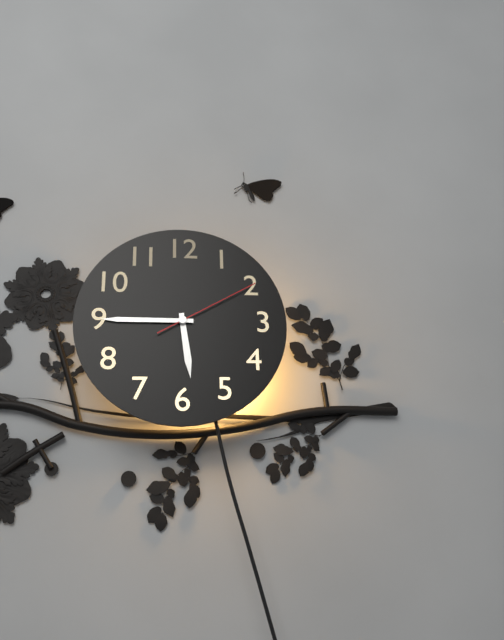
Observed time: 5:45:10
